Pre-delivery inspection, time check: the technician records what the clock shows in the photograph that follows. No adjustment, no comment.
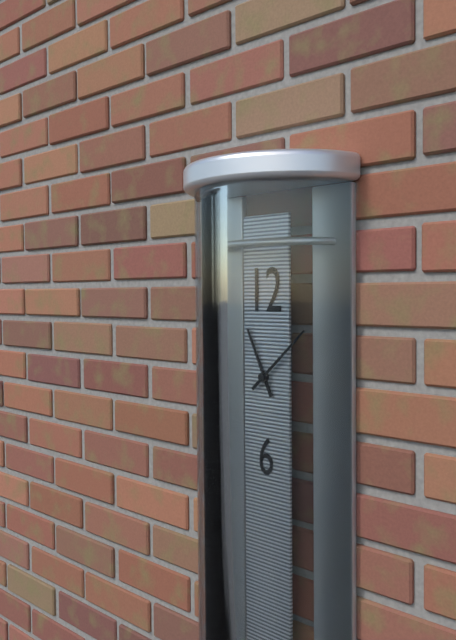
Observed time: 11:08
